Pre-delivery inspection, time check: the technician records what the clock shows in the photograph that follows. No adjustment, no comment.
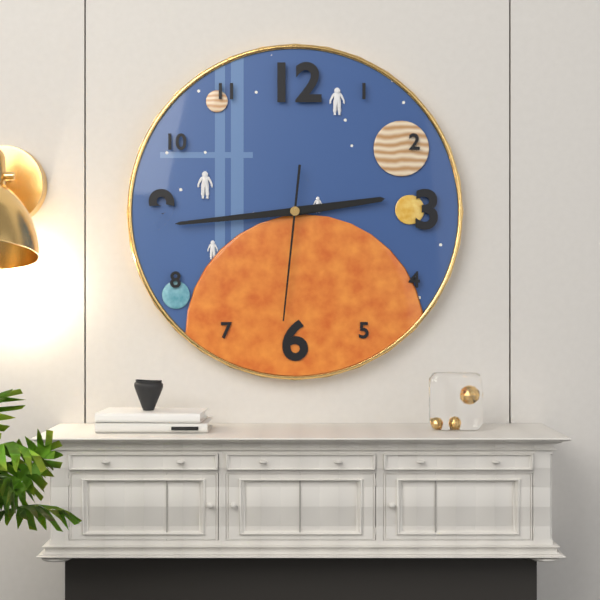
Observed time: 2:44:31
